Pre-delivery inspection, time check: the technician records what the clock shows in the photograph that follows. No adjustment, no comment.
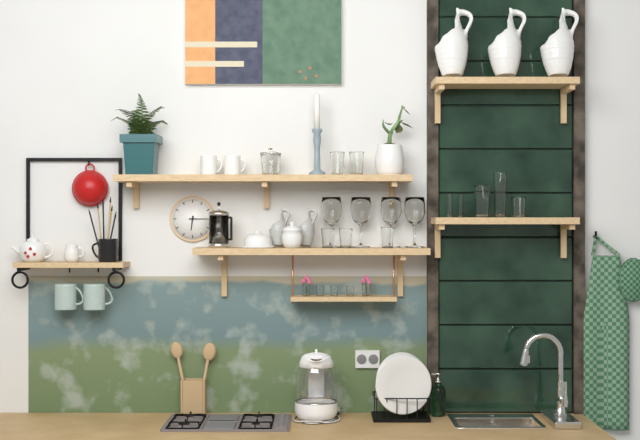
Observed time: 6:15
